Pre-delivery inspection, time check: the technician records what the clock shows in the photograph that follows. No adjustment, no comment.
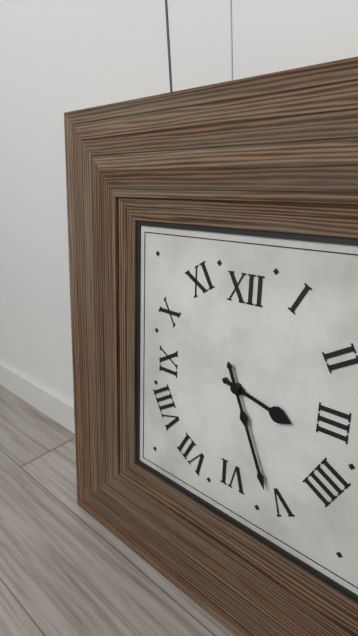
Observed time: 3:26
